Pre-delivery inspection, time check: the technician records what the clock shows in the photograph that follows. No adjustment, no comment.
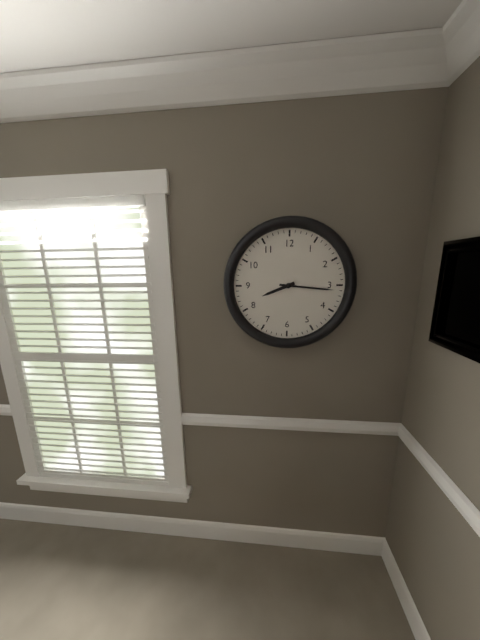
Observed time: 8:16
